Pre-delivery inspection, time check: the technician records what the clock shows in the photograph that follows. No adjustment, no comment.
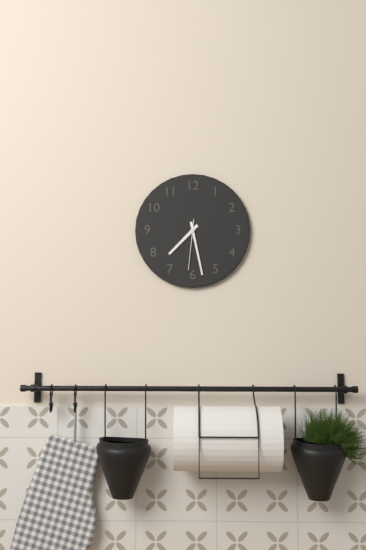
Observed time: 7:28:31
